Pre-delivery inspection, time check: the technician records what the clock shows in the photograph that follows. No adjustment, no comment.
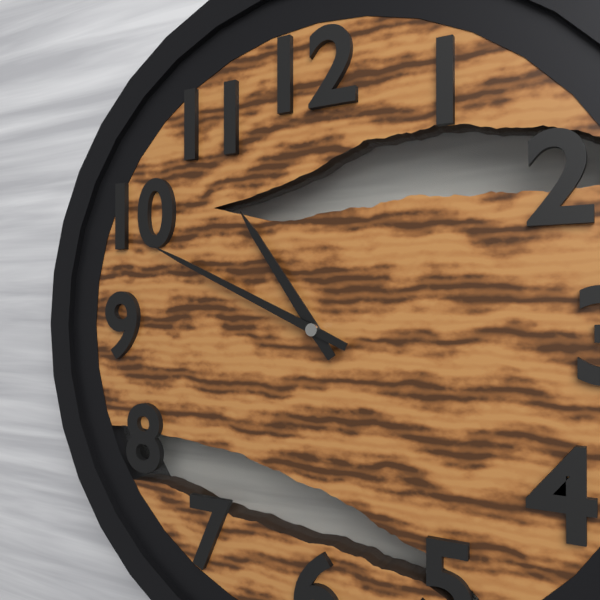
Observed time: 10:49
